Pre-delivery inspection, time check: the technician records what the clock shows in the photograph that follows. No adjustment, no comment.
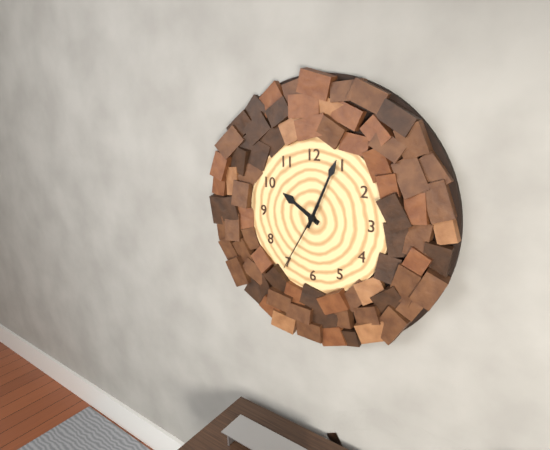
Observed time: 10:04:35
